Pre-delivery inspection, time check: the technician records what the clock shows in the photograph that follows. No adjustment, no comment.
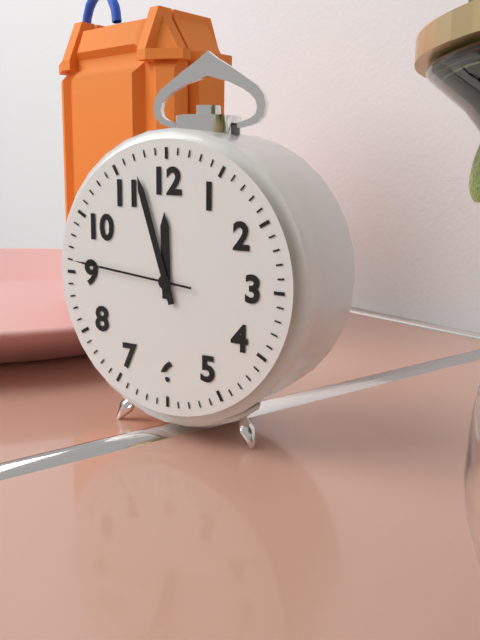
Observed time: 11:57:46
